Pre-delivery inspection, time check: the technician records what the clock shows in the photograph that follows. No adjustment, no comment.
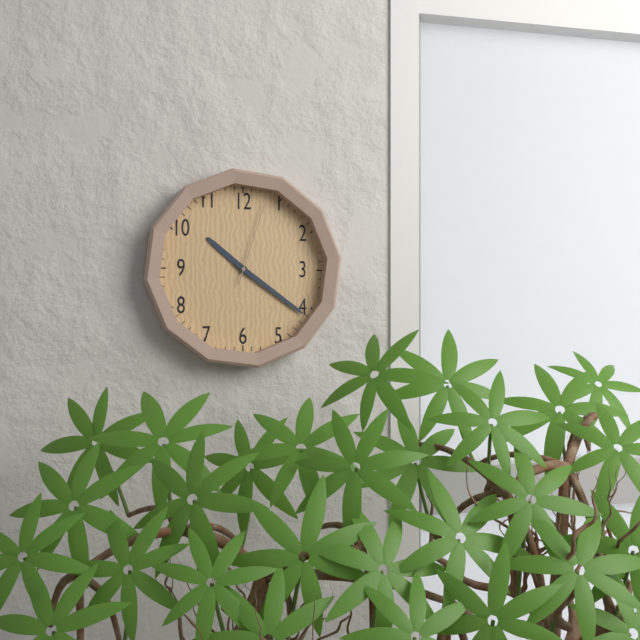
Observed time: 10:21:03
